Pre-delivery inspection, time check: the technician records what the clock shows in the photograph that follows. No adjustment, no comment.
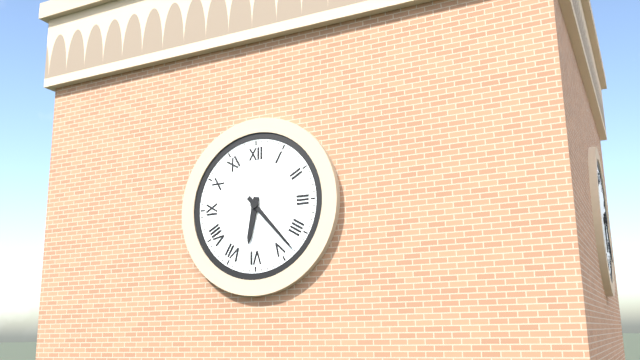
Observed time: 6:23
